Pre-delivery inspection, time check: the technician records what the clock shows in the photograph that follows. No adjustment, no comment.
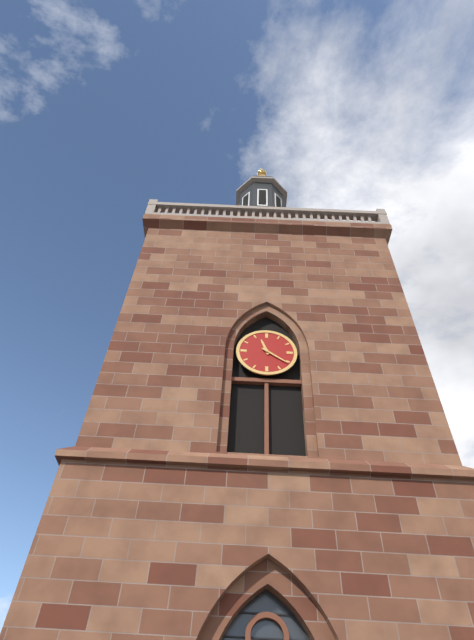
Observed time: 11:21
